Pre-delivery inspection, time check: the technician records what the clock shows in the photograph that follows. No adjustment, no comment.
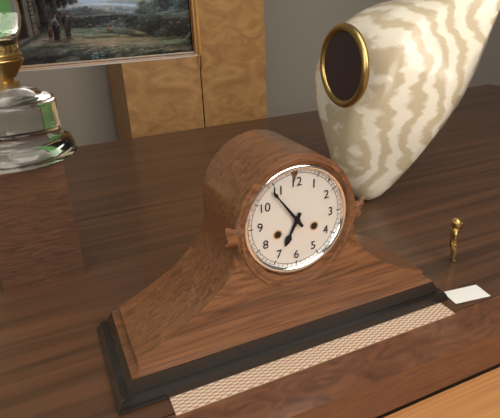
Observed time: 6:54
